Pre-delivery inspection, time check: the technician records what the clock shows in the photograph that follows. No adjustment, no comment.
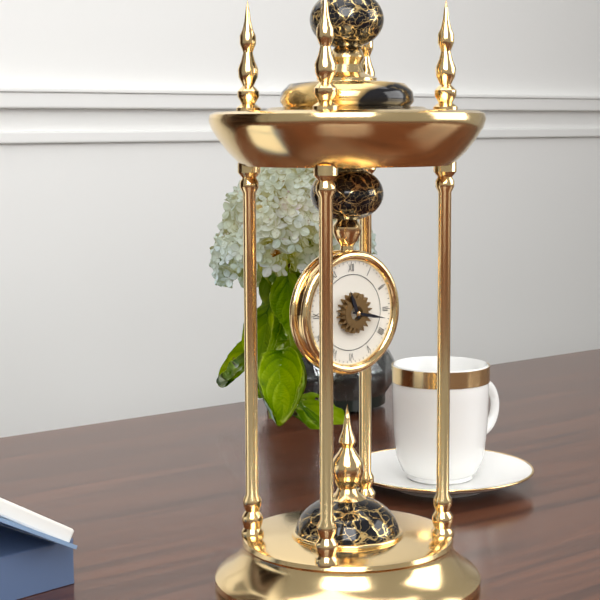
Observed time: 11:17
